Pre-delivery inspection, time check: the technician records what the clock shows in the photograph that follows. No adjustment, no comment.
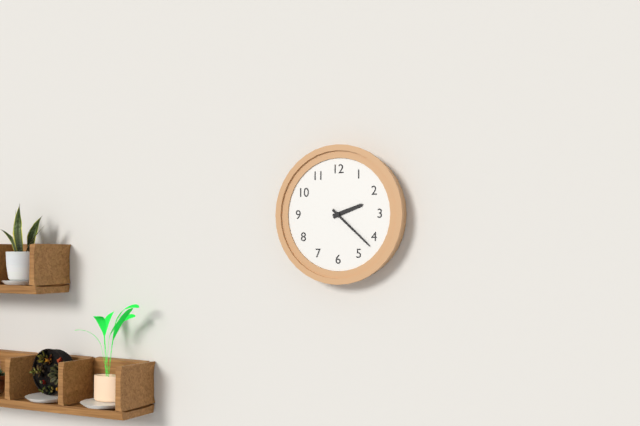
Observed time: 2:22
